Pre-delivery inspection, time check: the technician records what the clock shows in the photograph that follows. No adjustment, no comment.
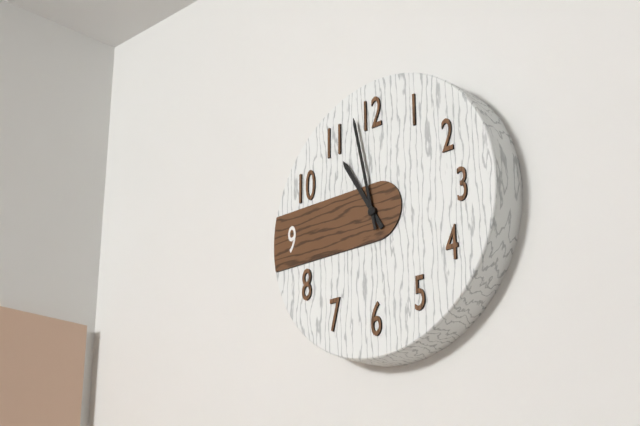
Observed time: 10:58
